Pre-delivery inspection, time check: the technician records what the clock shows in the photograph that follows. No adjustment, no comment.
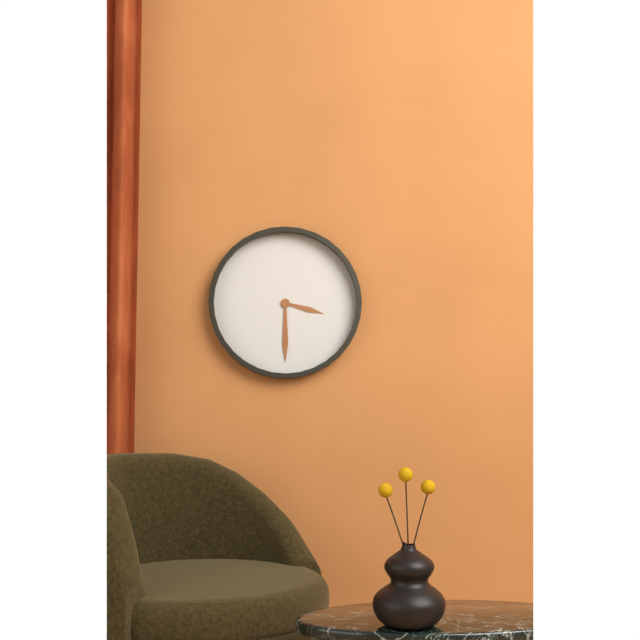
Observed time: 3:30
